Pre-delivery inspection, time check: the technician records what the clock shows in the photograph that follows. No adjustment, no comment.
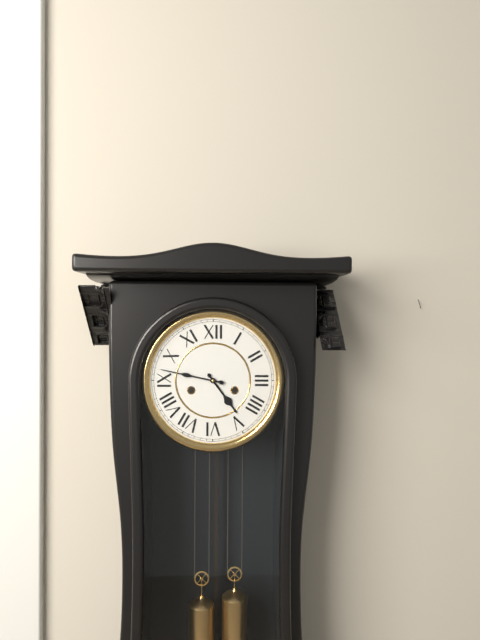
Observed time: 4:47
